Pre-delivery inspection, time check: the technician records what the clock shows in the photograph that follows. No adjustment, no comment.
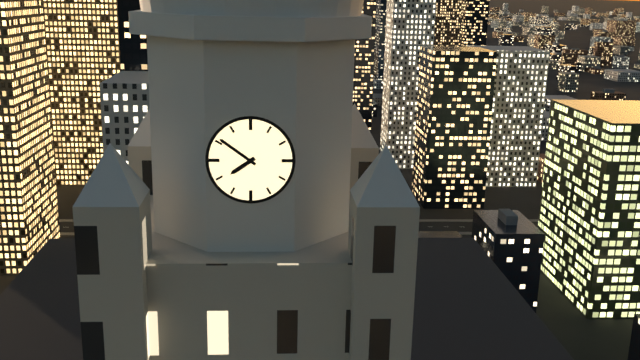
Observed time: 7:51
